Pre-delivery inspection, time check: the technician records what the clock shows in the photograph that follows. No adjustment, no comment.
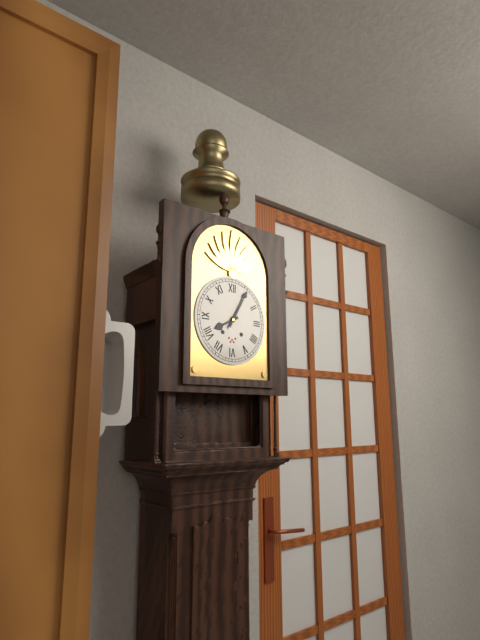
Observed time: 8:05
